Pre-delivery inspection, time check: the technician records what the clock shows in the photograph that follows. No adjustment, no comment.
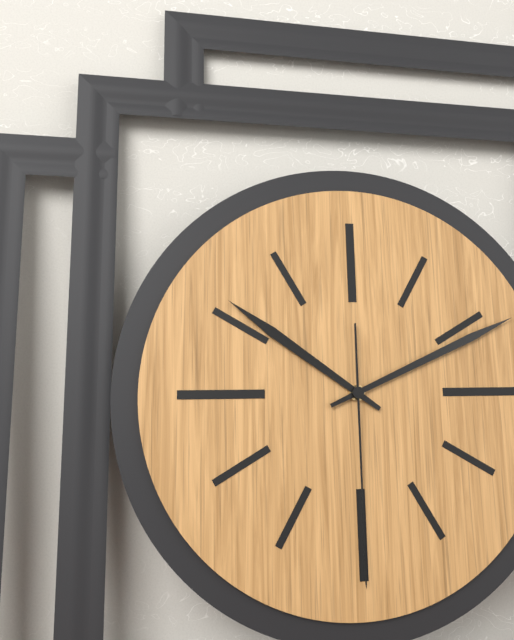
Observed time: 10:11:30
